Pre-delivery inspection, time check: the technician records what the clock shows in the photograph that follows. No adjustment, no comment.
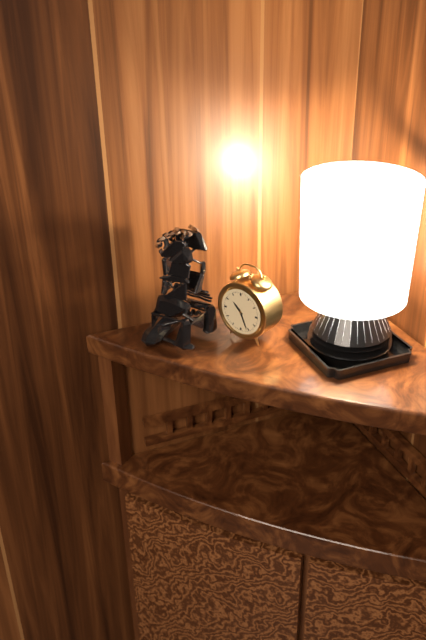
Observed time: 10:26
